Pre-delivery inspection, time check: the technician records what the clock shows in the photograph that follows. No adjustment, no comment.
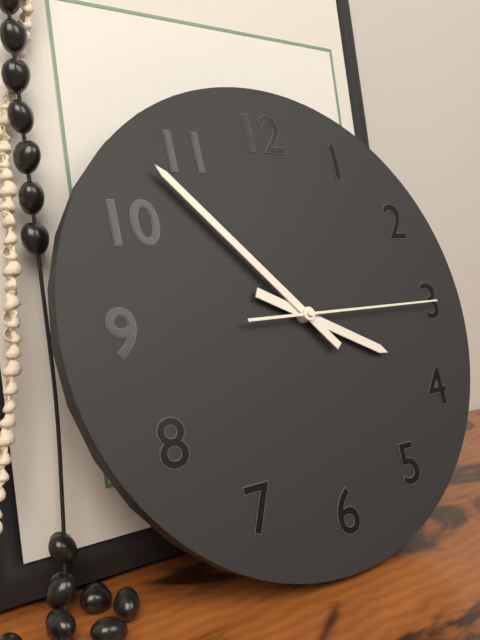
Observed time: 3:53:15
